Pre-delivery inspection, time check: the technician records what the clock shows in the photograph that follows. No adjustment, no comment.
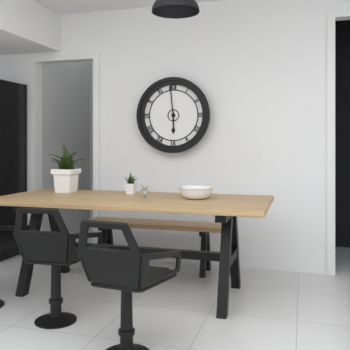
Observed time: 5:59
